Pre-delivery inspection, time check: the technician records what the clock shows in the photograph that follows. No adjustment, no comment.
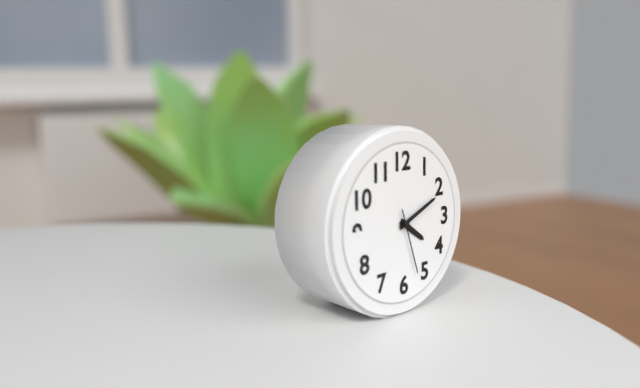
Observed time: 4:11:27
